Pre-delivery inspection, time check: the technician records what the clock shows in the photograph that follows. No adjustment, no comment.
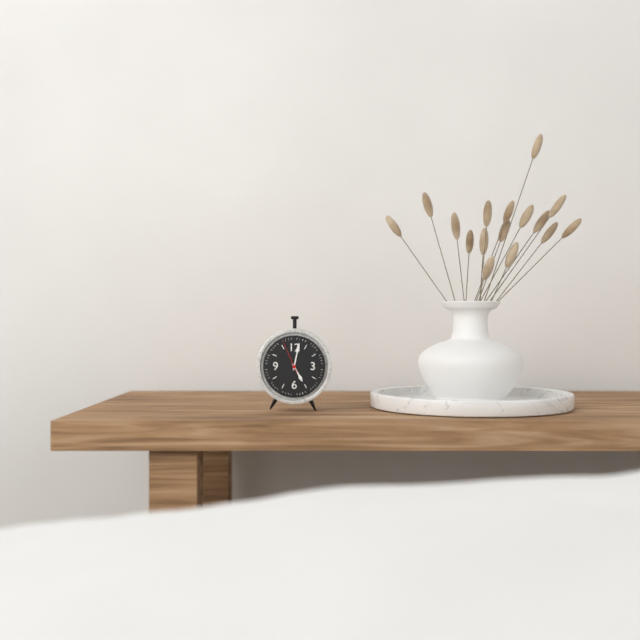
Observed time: 5:02
